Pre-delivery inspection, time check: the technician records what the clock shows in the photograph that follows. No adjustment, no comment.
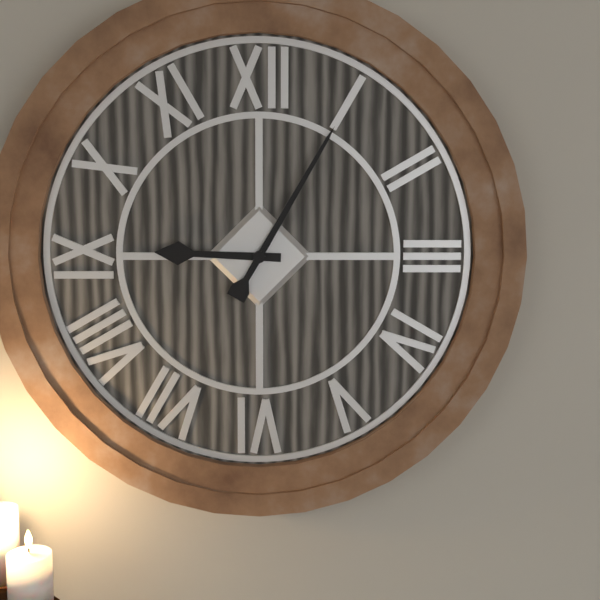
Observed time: 9:05
